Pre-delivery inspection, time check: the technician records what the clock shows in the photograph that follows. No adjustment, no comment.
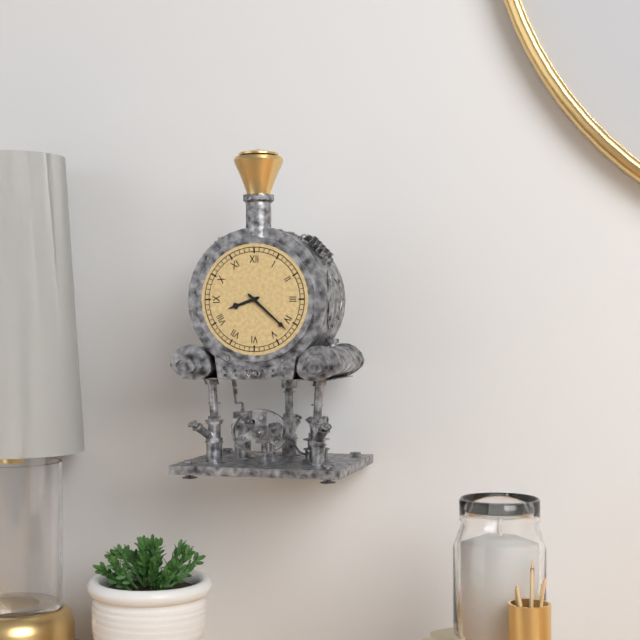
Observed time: 8:22
